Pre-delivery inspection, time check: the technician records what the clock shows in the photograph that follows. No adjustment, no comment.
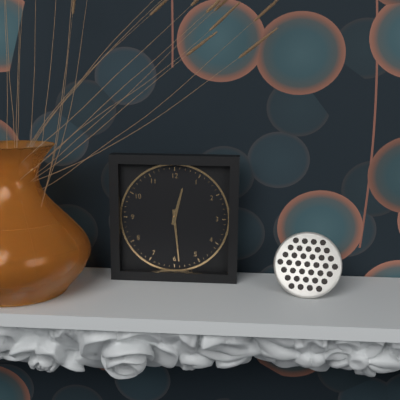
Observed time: 12:29
